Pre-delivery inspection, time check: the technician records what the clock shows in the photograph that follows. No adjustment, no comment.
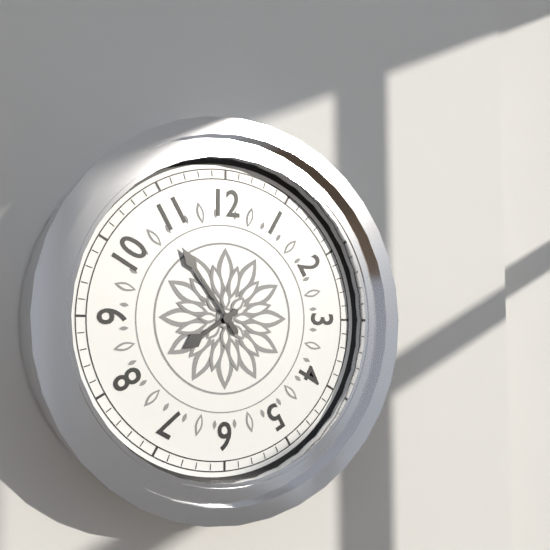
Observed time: 7:54
